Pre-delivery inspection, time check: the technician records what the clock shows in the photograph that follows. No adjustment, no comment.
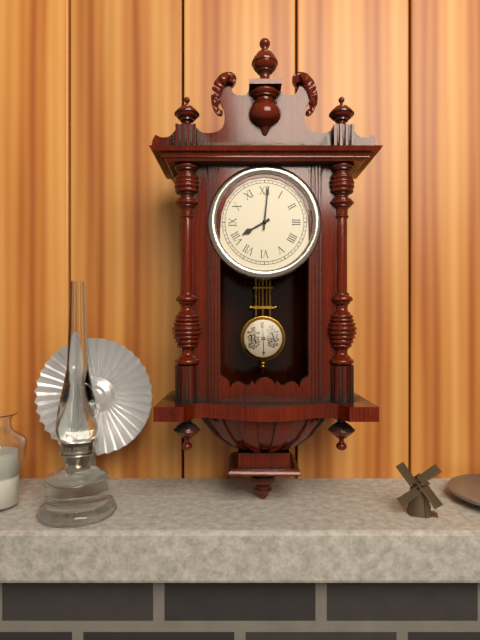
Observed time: 8:01
